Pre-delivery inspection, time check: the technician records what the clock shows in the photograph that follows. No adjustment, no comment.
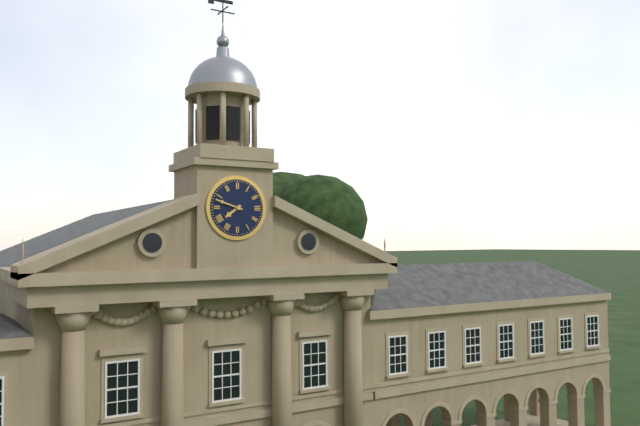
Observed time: 7:48
